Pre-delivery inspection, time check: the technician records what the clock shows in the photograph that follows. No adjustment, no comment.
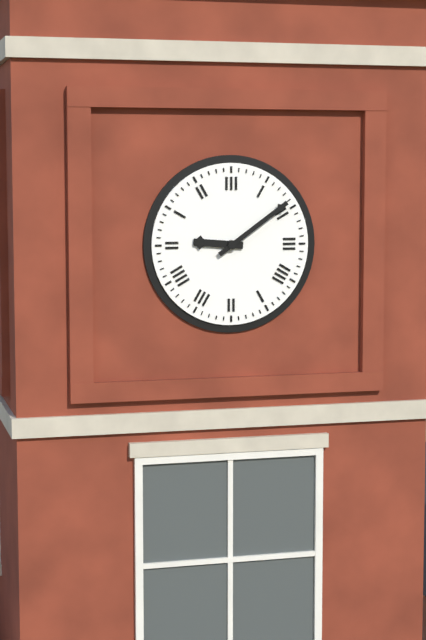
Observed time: 9:09
